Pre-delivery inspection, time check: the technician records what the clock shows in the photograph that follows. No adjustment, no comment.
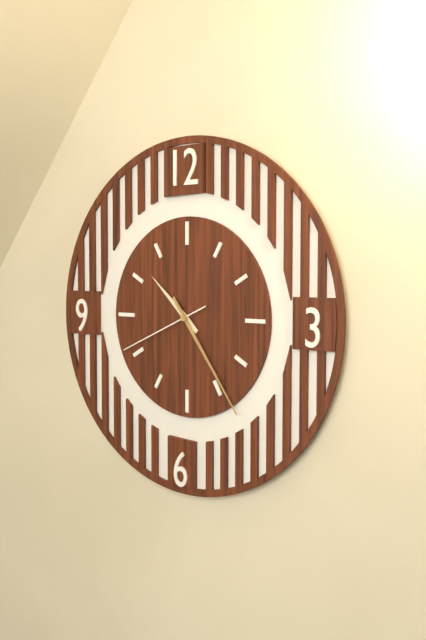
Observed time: 10:24:41
